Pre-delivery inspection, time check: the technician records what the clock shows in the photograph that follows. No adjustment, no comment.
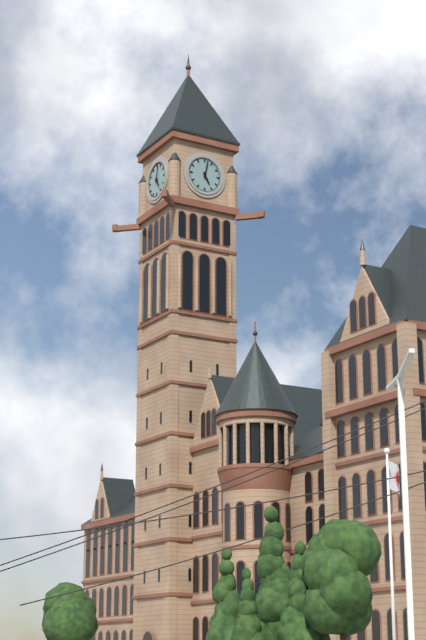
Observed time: 5:02
